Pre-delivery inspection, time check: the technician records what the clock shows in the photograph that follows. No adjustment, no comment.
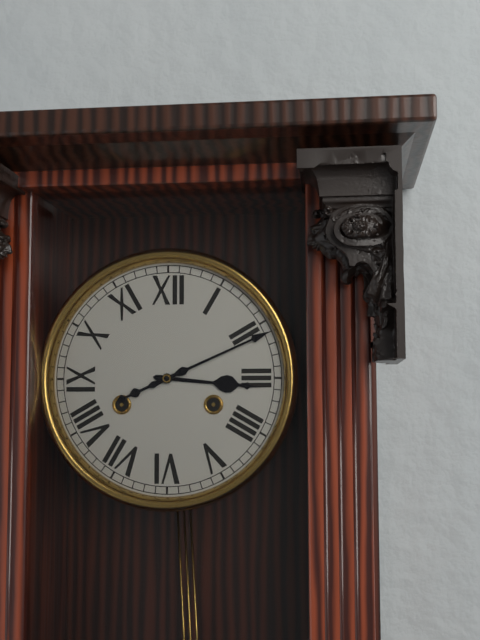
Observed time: 3:11
